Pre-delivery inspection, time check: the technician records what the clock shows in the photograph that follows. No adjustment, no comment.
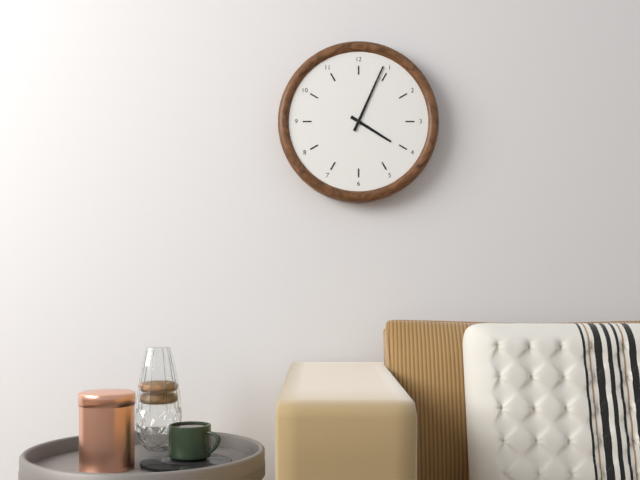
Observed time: 4:04
